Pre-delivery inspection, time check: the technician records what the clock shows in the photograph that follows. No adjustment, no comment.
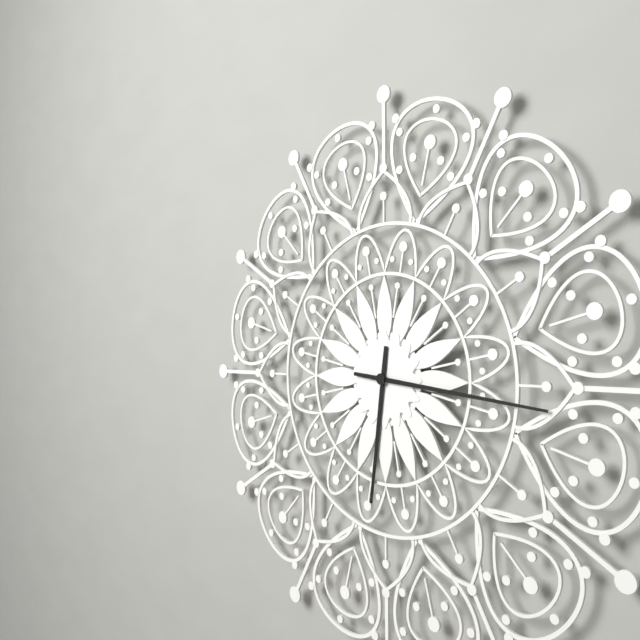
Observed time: 6:16
